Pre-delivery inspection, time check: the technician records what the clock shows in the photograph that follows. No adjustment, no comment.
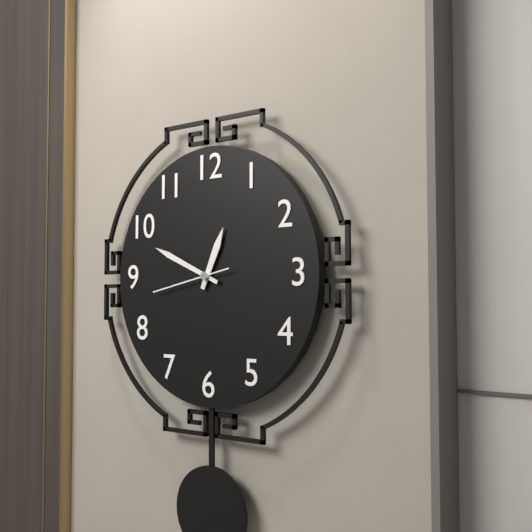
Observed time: 12:49:43
